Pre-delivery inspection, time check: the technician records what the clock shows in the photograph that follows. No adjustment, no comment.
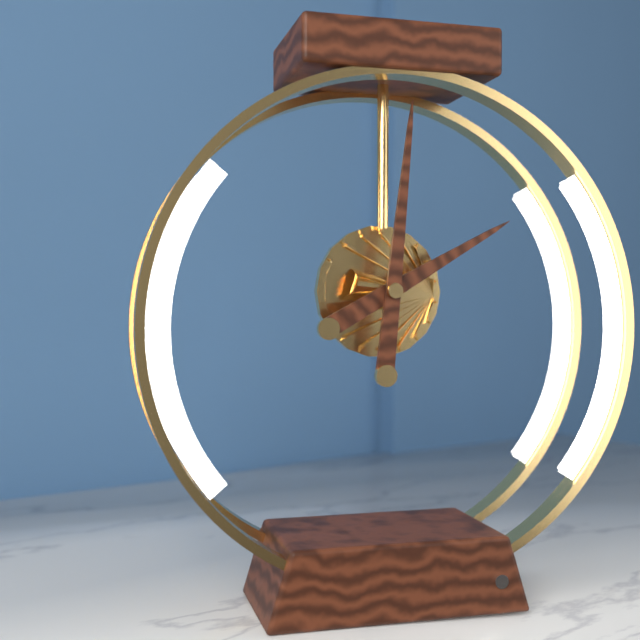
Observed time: 2:01
